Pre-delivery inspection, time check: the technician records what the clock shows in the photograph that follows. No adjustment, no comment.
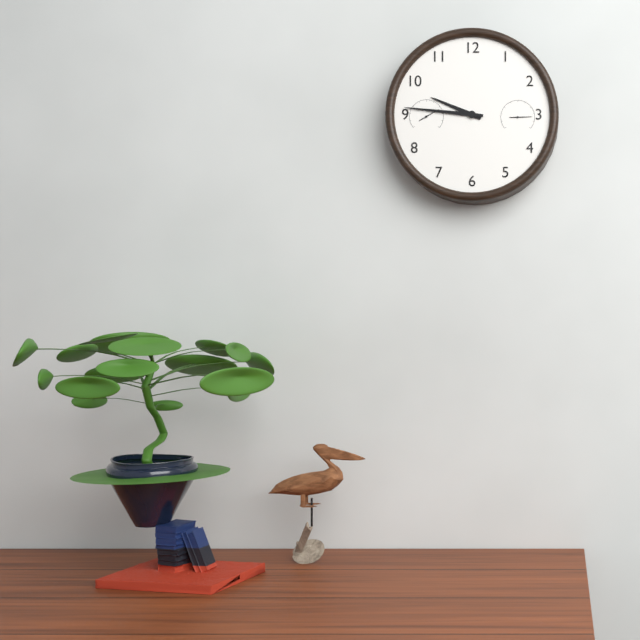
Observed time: 9:46
